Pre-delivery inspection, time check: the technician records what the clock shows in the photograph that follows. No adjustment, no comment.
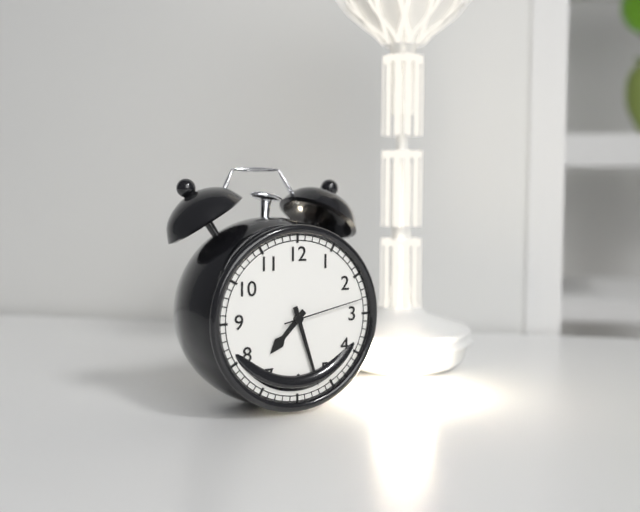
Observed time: 7:27:13
